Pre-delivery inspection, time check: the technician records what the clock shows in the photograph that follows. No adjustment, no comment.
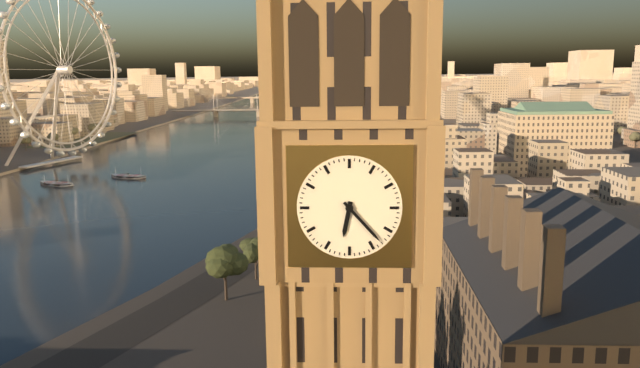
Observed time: 6:23
